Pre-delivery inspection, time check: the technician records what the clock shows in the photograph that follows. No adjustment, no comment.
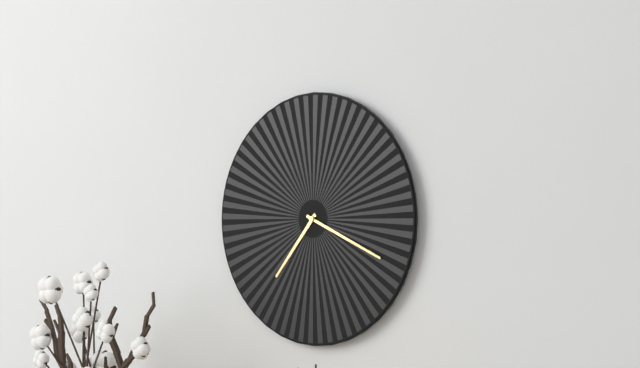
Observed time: 7:19
